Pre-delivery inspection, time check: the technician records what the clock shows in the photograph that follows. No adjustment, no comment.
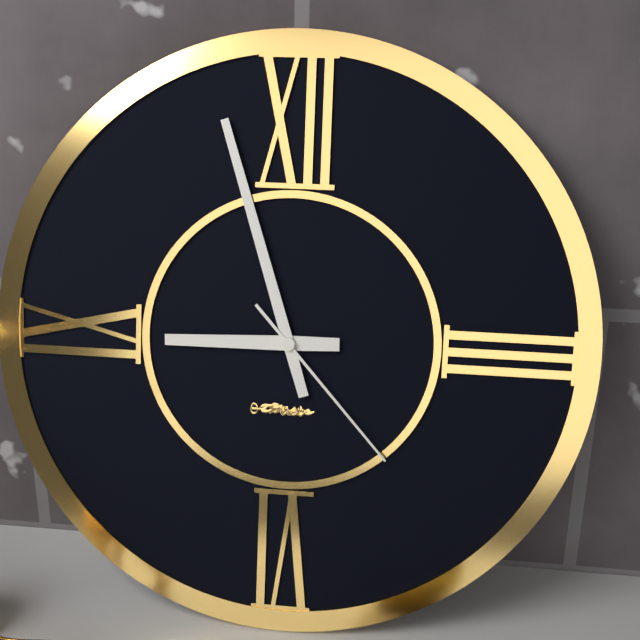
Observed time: 8:57:23
